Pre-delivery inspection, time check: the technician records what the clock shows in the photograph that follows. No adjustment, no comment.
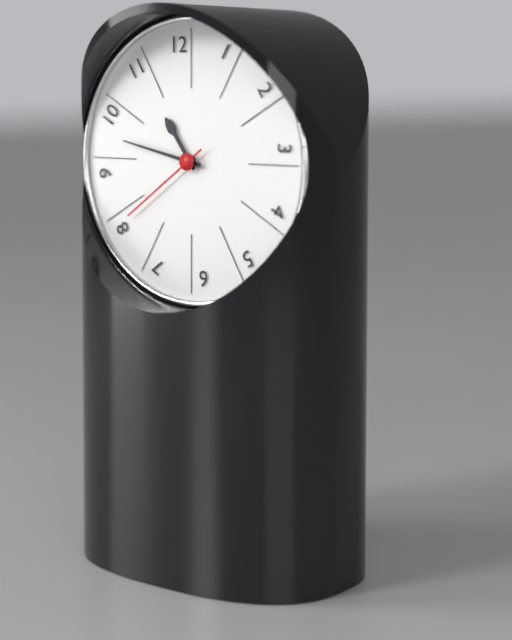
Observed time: 10:47:39
